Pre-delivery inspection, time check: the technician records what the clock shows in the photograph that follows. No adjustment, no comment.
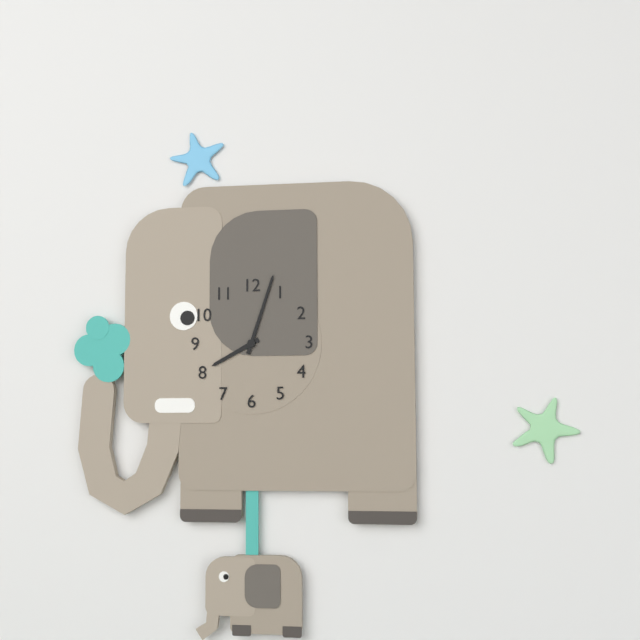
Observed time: 8:03
